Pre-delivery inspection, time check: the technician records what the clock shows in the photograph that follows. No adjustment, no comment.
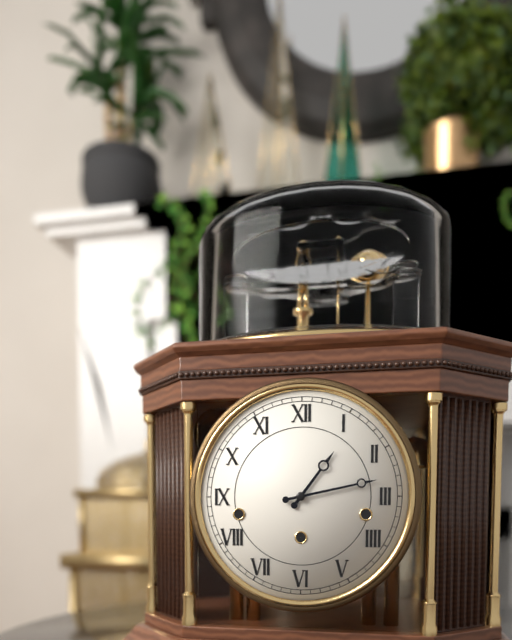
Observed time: 1:13
